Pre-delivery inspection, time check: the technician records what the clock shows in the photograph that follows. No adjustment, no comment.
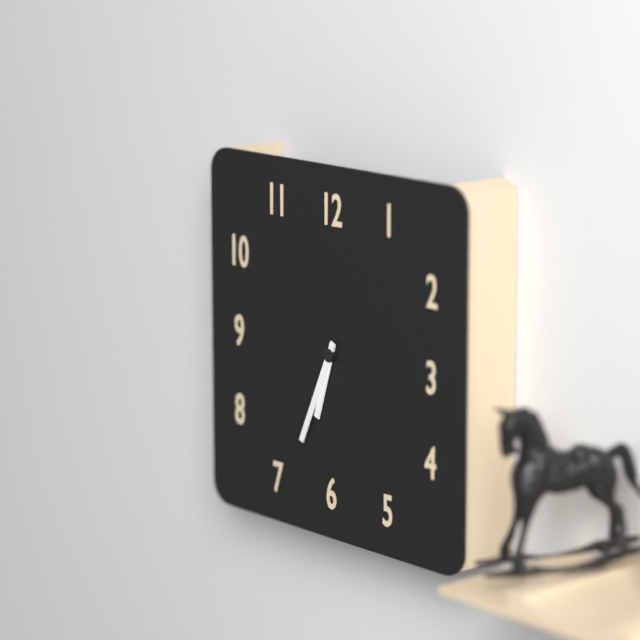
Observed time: 6:34
